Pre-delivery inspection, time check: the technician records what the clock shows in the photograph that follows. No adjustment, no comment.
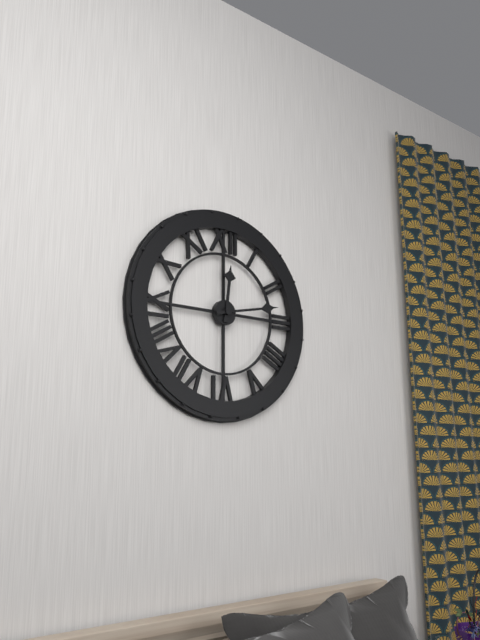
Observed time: 12:13
